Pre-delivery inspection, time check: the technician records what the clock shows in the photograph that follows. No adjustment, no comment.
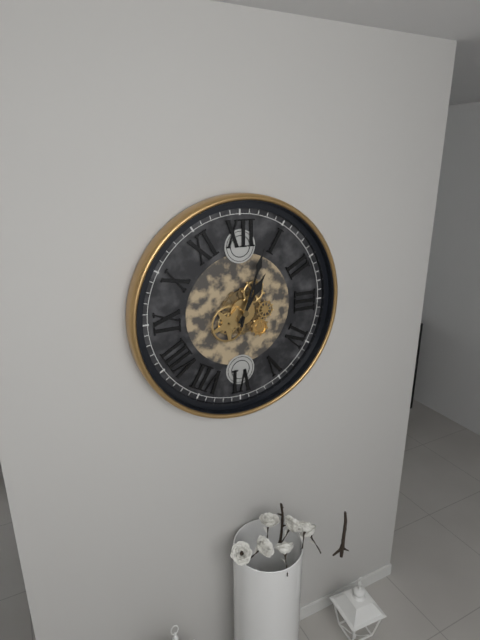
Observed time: 1:03
